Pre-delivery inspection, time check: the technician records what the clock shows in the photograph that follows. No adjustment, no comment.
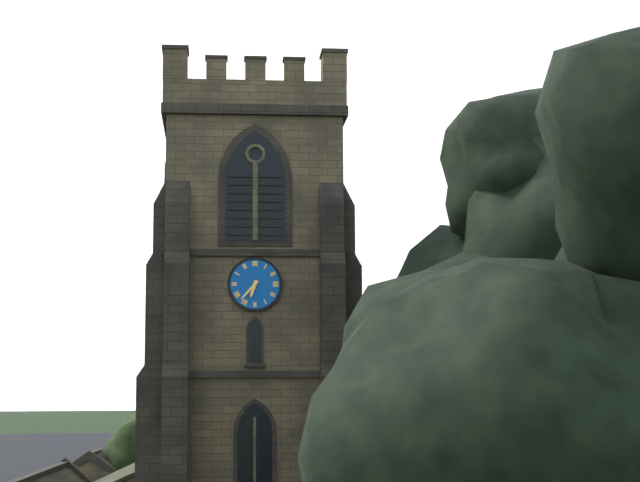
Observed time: 6:37
